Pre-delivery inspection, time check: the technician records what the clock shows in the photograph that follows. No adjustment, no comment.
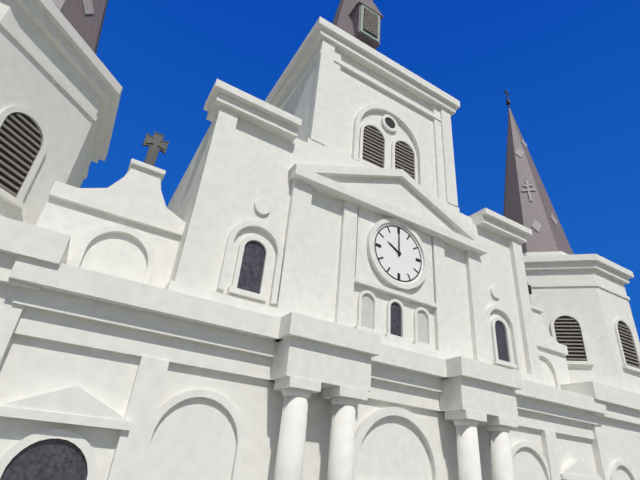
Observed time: 10:00
